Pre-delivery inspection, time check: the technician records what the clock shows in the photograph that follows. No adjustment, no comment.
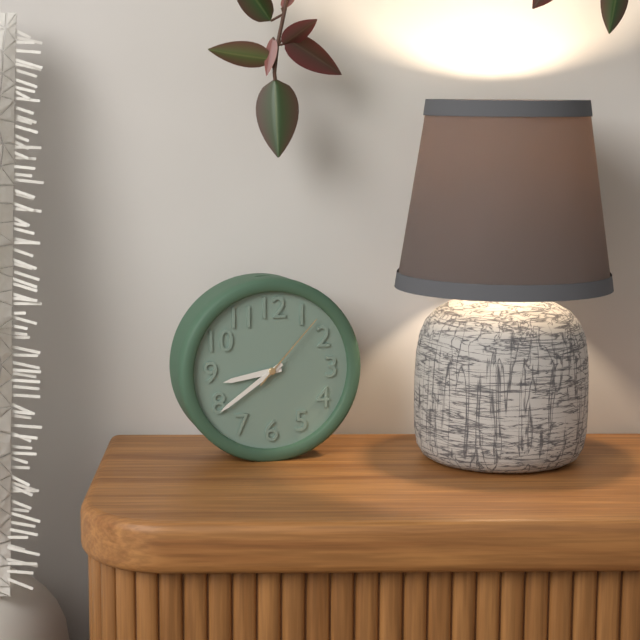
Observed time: 8:39:07
